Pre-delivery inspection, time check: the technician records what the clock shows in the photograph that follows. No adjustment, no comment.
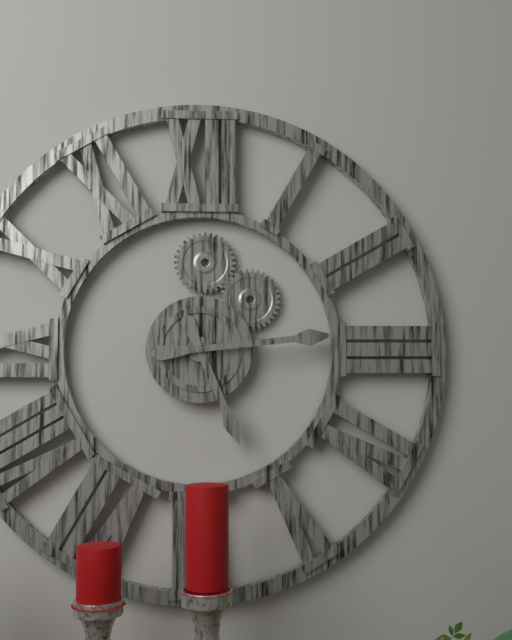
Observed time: 5:14
